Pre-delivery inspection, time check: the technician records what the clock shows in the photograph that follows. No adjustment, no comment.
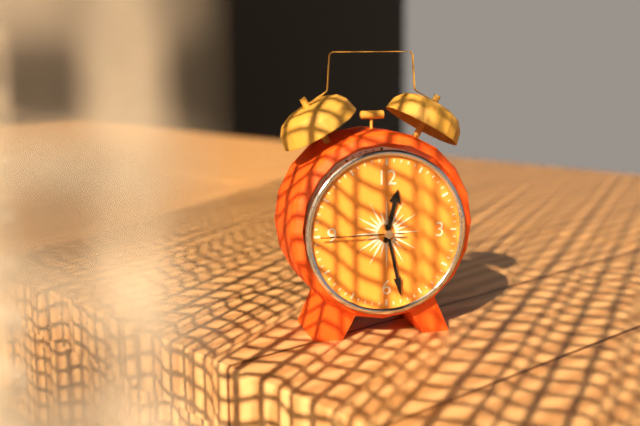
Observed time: 12:28:45
